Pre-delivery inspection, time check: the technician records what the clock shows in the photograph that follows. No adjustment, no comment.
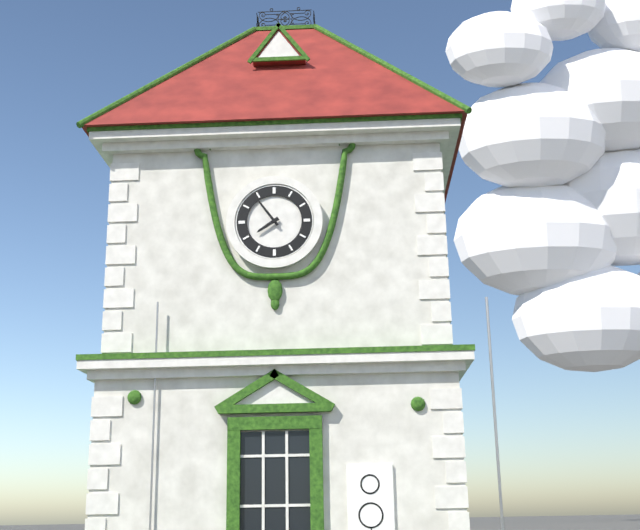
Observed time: 7:54
